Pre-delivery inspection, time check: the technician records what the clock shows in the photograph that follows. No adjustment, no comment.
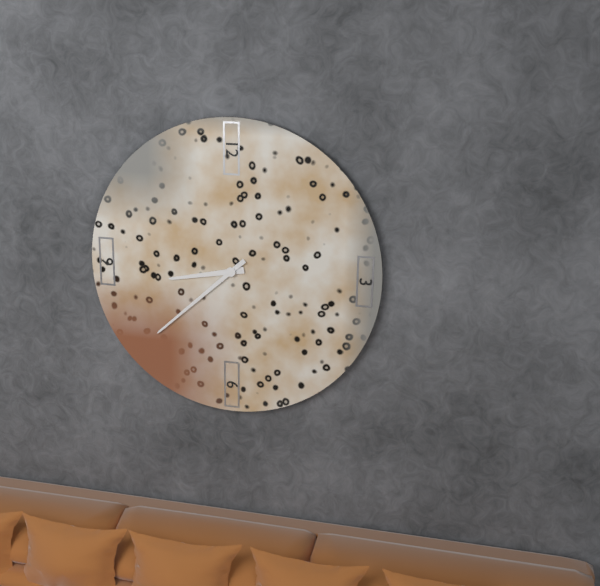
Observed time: 8:38
